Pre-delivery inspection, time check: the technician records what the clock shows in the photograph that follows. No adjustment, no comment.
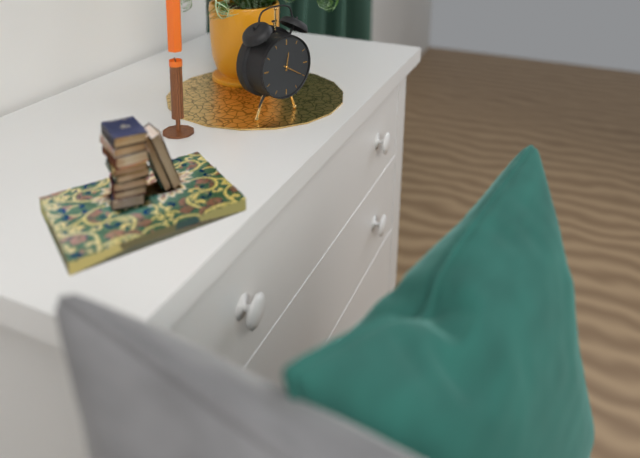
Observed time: 12:20
